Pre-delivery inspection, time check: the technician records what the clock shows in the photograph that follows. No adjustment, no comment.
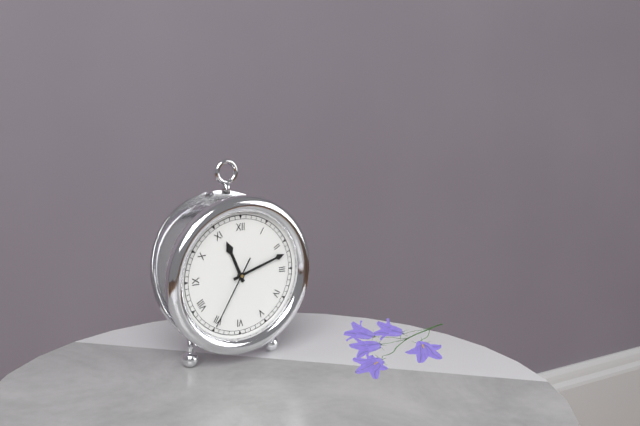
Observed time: 11:12:35
